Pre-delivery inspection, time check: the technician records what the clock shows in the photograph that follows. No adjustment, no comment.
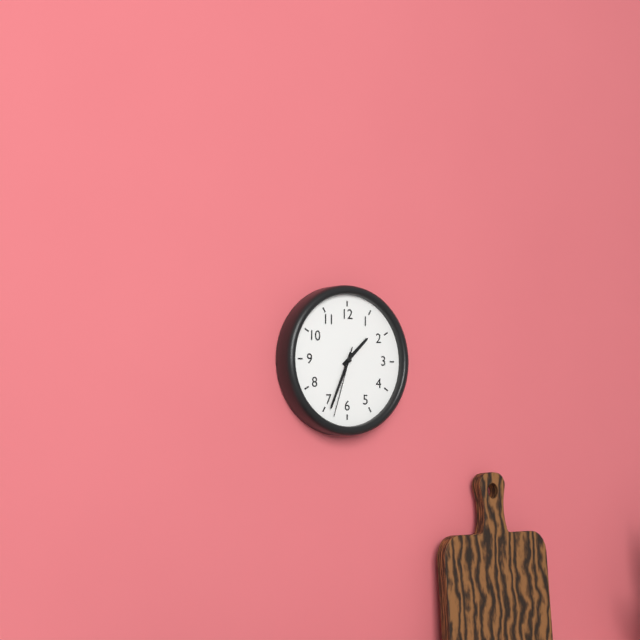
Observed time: 1:34:33
